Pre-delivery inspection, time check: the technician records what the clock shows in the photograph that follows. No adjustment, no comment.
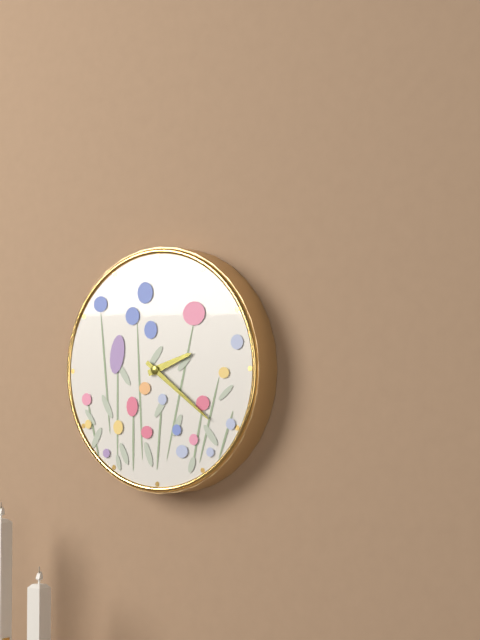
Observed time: 2:21
